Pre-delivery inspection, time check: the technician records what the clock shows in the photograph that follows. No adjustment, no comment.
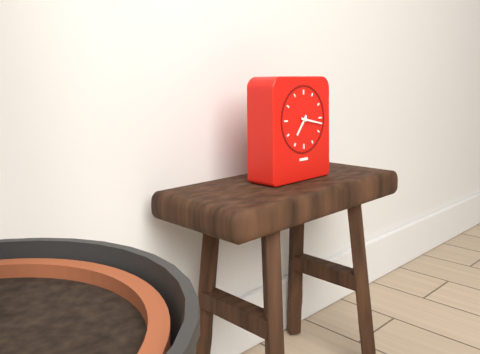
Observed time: 7:17
